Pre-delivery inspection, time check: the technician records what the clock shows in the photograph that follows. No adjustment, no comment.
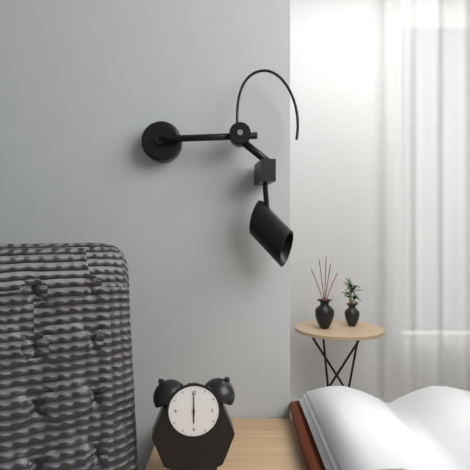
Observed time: 6:00
